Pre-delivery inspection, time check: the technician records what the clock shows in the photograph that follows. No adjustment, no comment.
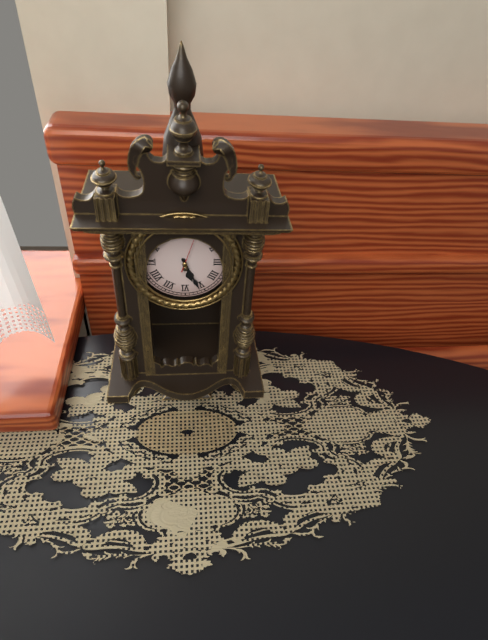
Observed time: 5:26
